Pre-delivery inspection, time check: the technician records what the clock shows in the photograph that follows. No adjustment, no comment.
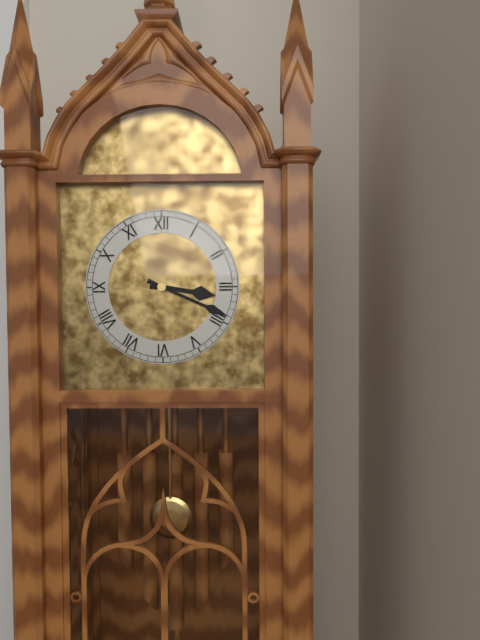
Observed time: 3:19
